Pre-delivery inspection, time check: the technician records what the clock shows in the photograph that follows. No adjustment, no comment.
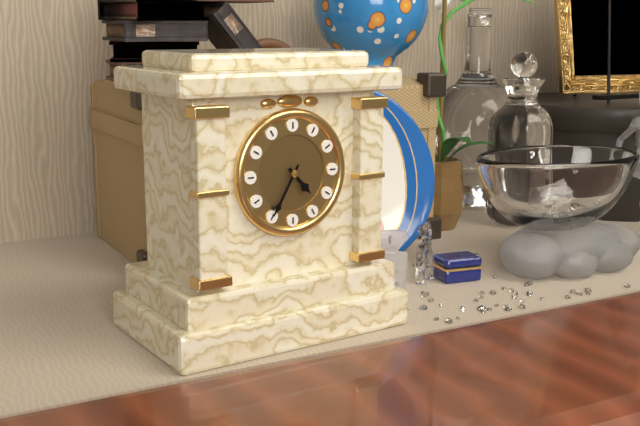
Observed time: 4:35
